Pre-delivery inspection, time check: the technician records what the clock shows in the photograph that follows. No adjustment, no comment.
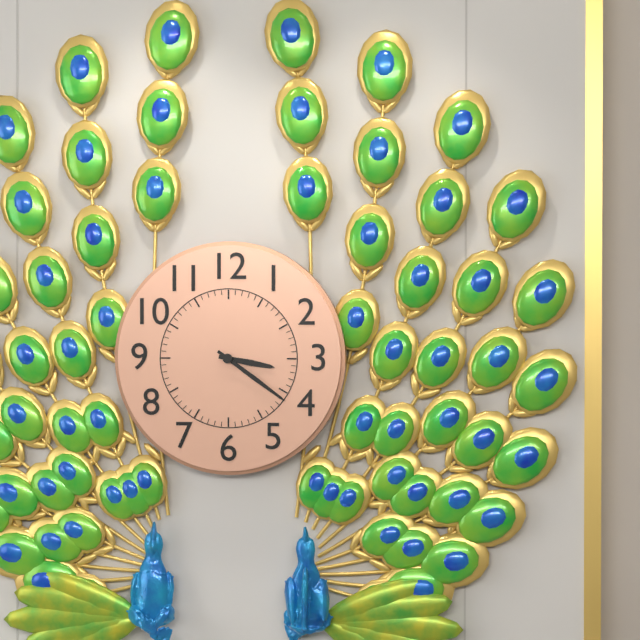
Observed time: 3:21
